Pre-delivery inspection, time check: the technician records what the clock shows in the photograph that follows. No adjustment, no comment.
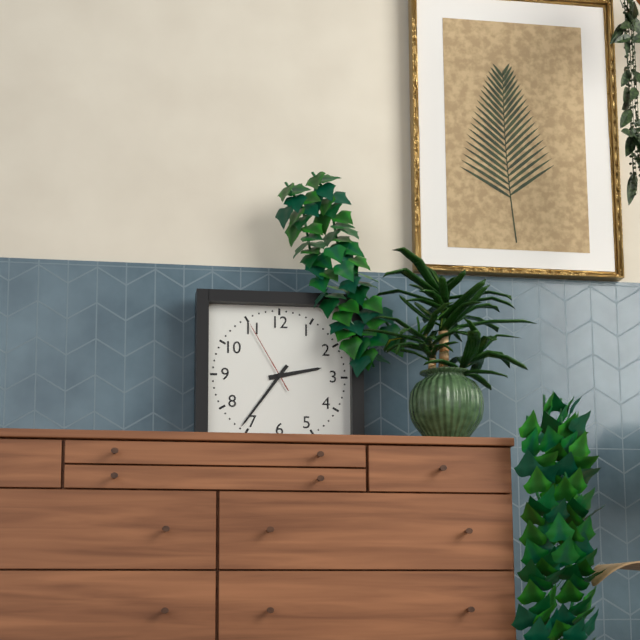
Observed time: 2:36:55
